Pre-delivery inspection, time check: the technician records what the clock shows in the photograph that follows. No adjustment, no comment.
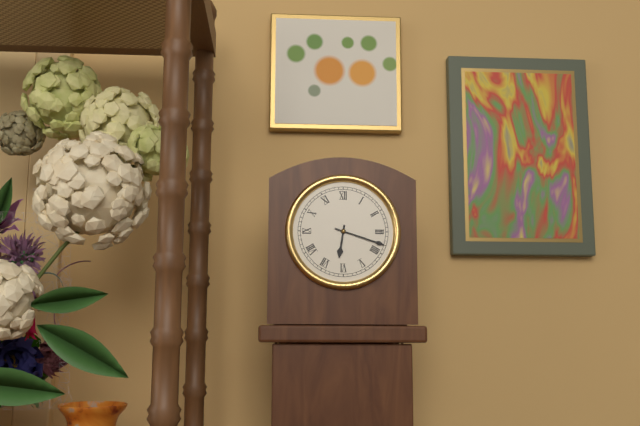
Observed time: 6:18
